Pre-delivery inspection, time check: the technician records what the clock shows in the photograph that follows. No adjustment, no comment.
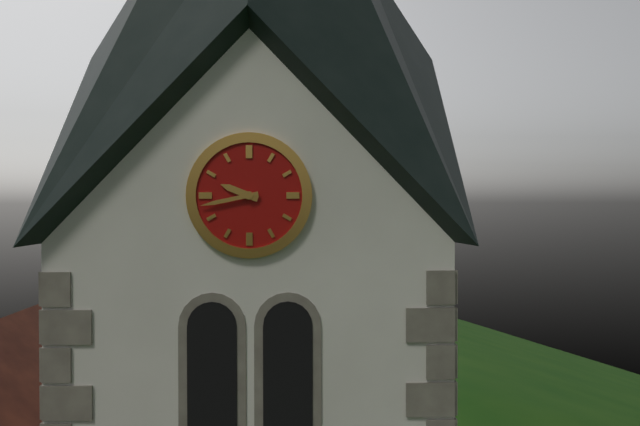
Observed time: 9:43
